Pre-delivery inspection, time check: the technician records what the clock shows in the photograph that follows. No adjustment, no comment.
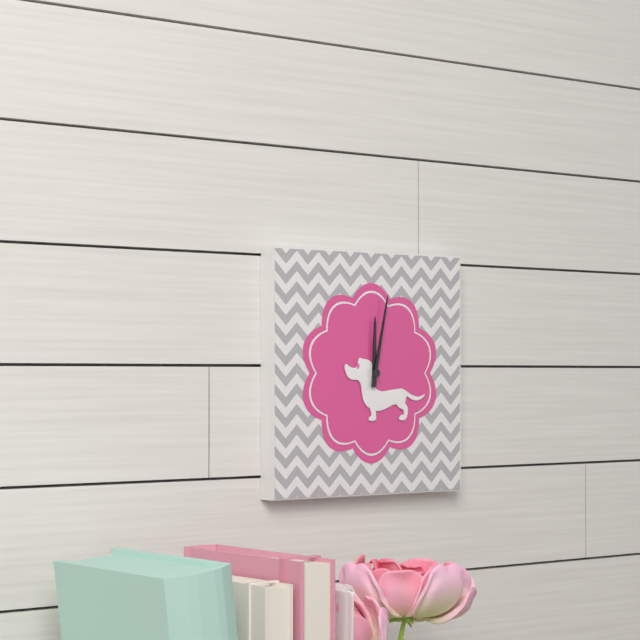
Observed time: 12:02
